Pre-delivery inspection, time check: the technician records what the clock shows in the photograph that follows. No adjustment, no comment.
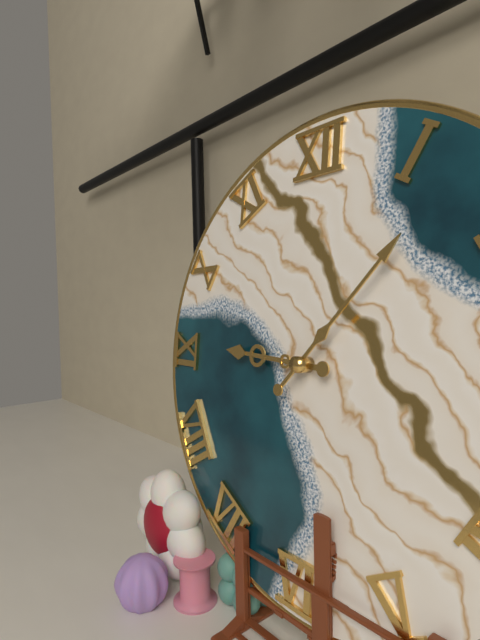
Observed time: 9:07
